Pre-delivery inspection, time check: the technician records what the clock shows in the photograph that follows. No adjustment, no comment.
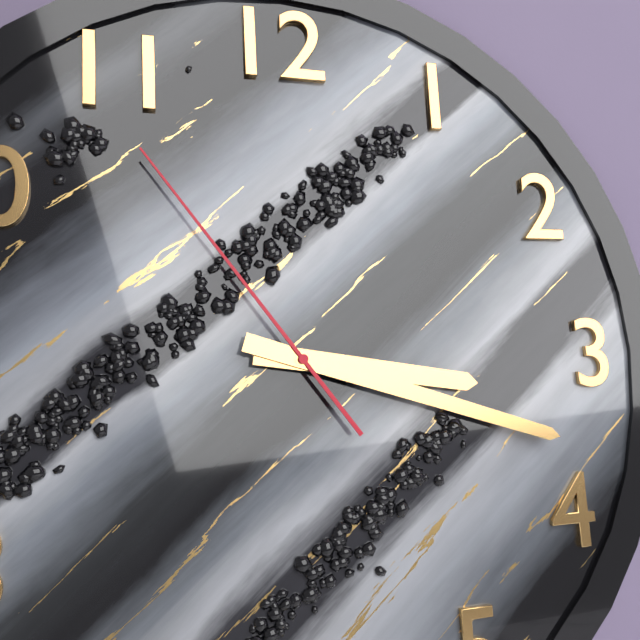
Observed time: 3:18:54
